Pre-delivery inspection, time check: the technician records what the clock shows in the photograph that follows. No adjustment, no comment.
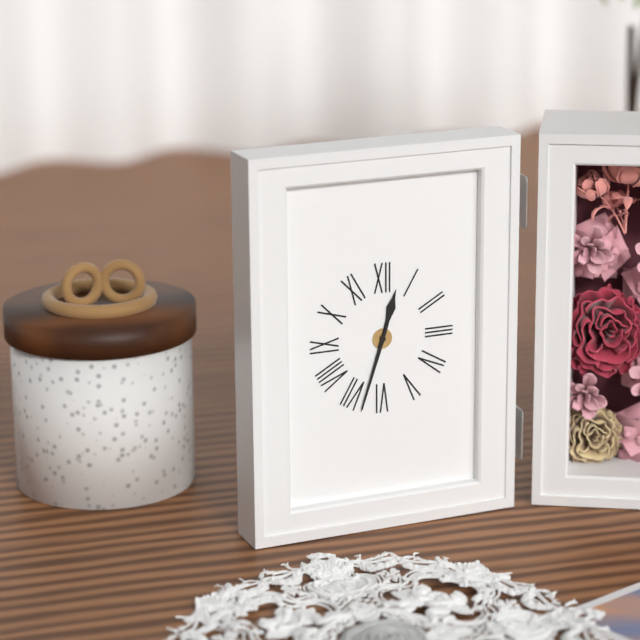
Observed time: 12:33
